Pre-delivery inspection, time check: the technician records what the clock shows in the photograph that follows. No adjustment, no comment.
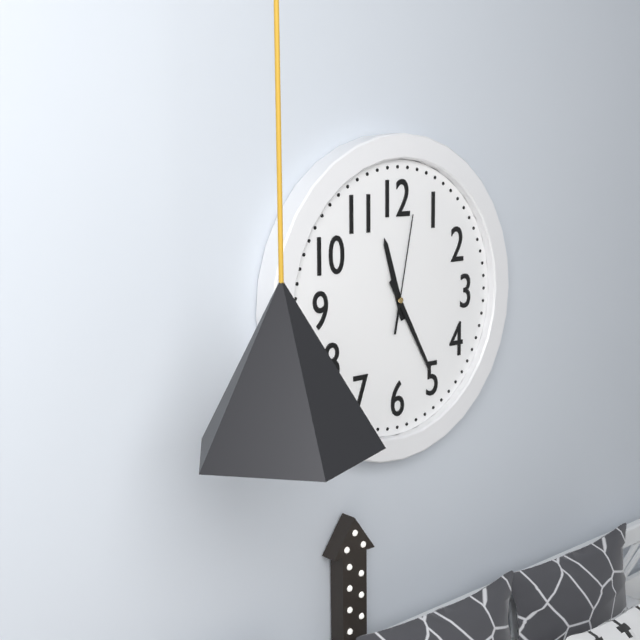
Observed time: 11:25:02
